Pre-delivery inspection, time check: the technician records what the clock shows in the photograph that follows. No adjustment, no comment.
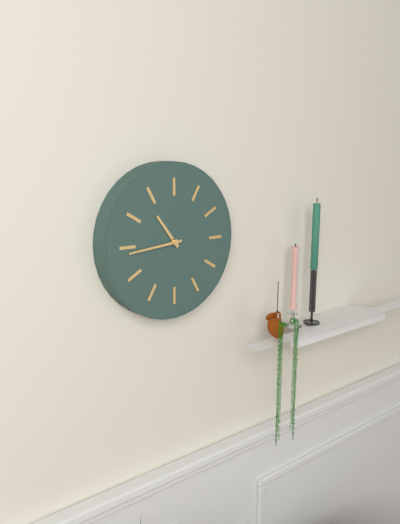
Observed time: 10:44
